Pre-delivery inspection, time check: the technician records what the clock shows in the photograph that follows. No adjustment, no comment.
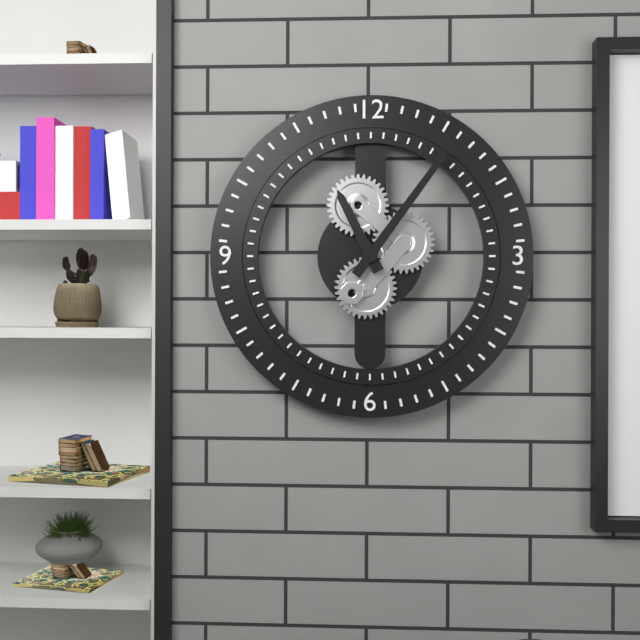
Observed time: 11:06
